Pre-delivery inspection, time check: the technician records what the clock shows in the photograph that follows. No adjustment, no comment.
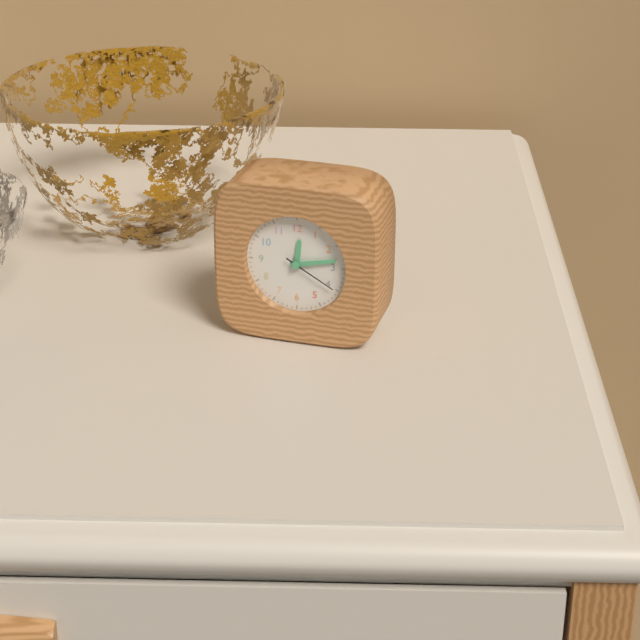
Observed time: 12:13:20
